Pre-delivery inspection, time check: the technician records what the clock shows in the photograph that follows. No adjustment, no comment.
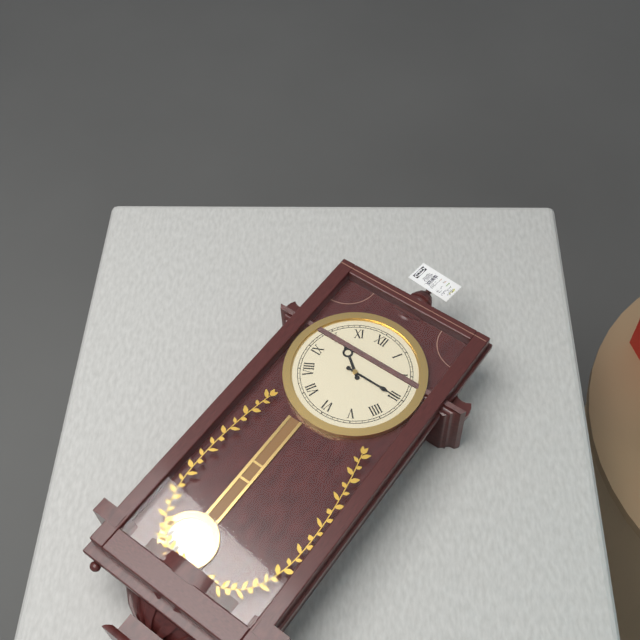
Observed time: 10:15
